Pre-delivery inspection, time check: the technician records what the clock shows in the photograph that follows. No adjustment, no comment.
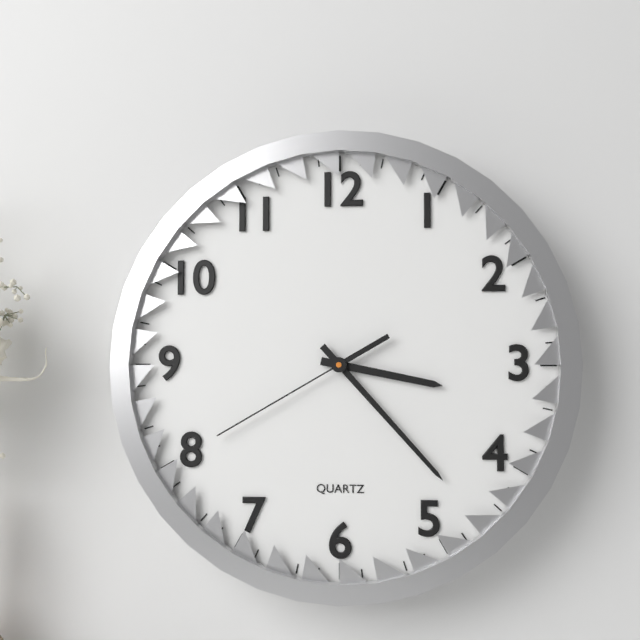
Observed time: 3:23:40
